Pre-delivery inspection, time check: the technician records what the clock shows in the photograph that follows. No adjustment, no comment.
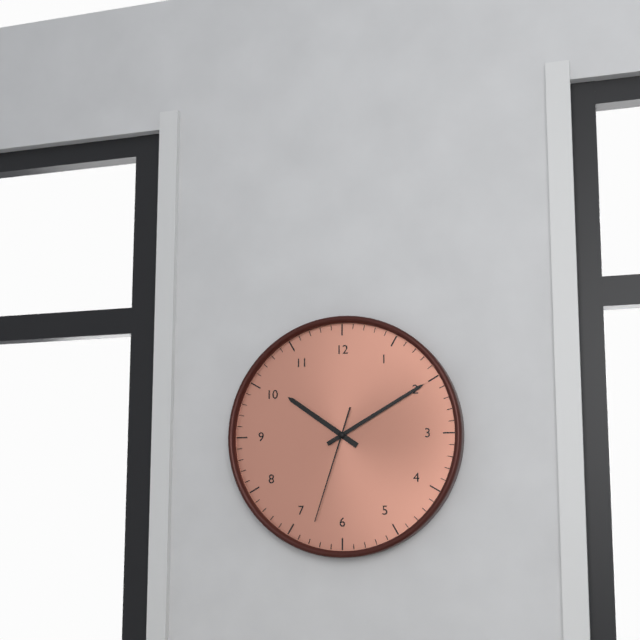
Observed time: 10:10:33
